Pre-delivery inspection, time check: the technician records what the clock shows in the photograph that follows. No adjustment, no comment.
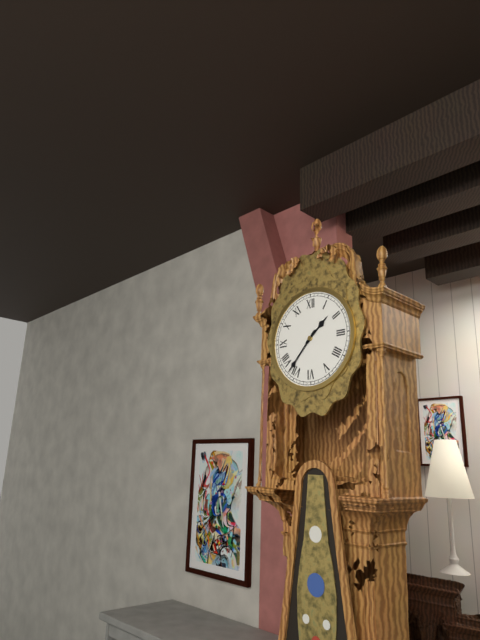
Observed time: 1:37
